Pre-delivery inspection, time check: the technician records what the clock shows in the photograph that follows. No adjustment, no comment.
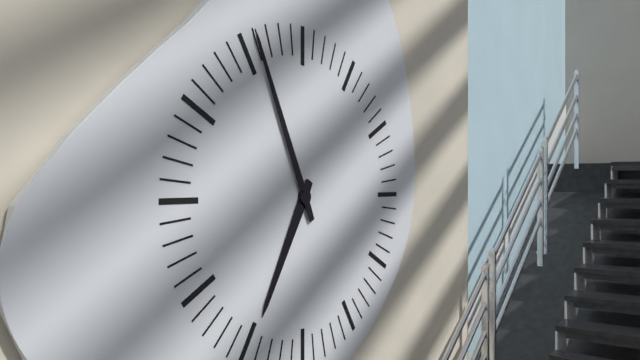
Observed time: 6:56
